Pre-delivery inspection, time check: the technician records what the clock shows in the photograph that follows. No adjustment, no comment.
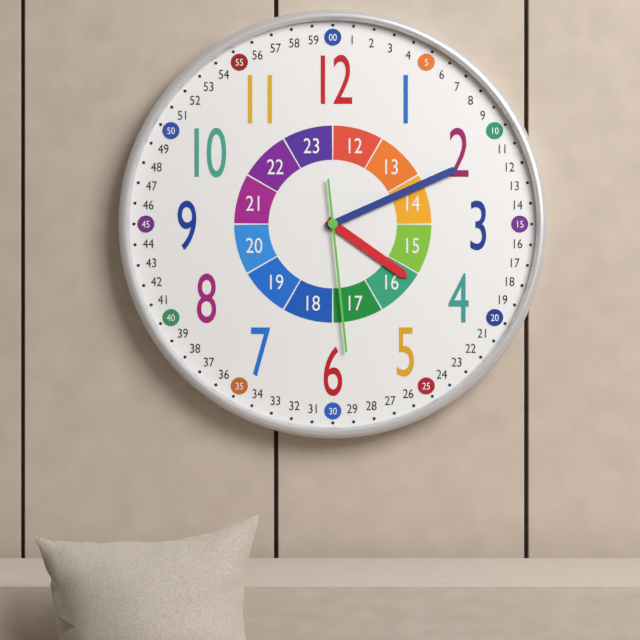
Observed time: 4:11:29
